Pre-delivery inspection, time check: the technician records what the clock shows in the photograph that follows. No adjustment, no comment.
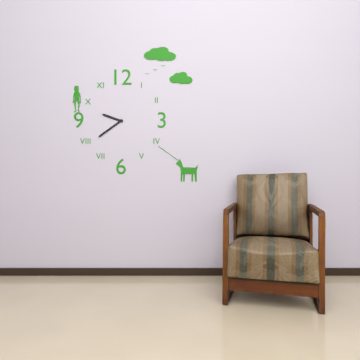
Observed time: 9:39
